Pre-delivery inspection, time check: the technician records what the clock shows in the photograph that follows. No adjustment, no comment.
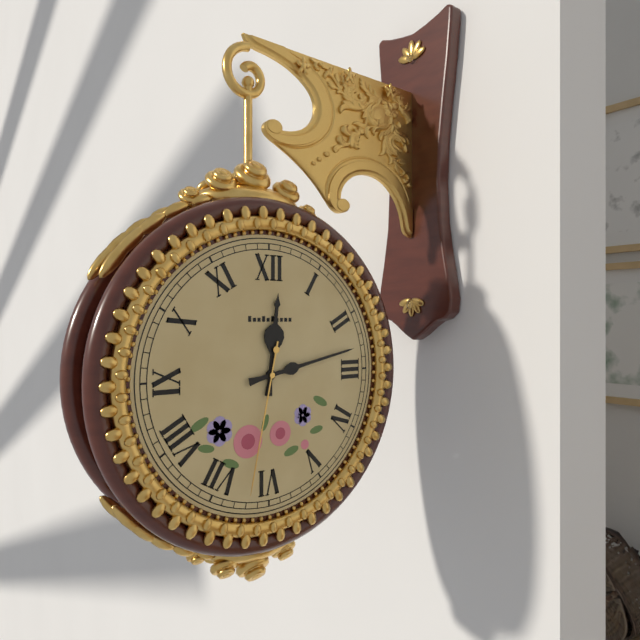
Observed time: 12:13:32
